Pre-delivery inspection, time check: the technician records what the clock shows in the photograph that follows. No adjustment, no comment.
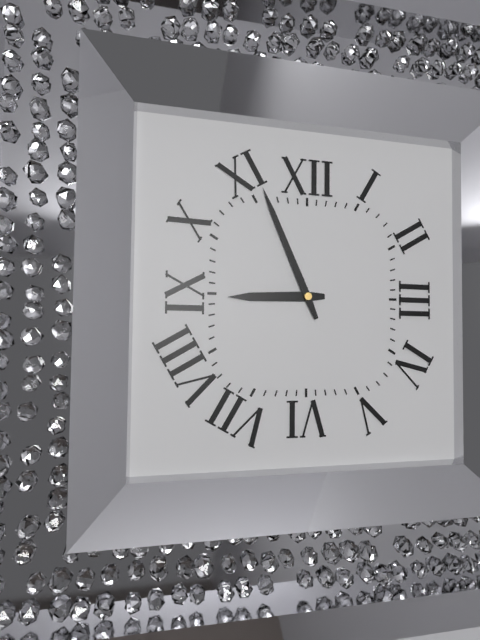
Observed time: 8:56
